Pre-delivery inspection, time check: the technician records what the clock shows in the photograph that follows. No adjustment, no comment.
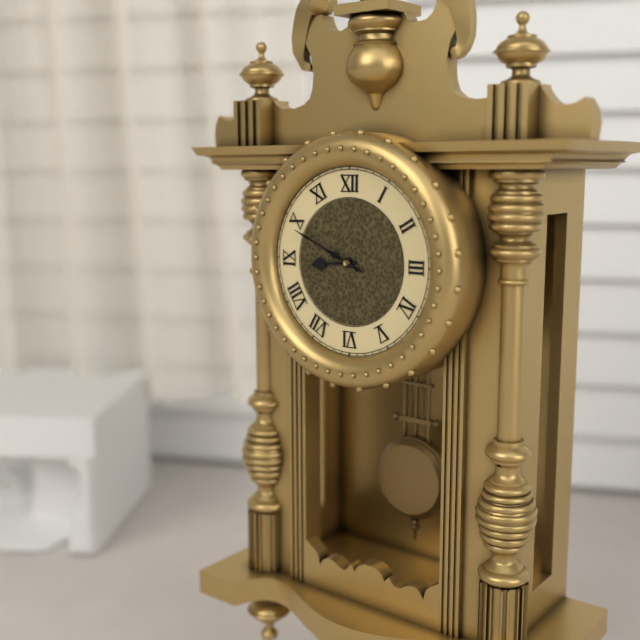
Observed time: 8:49
